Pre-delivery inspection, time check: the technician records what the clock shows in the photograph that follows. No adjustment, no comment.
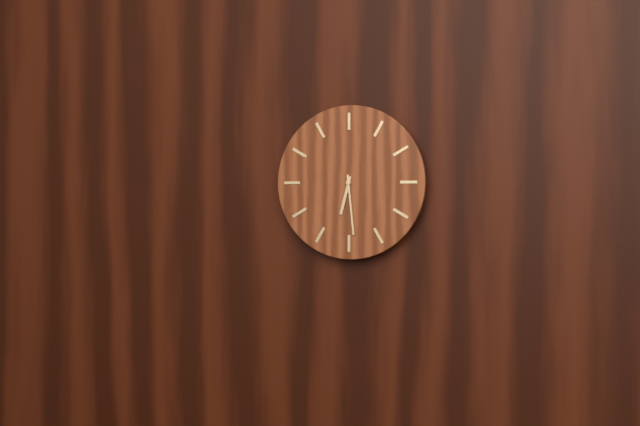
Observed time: 6:29
